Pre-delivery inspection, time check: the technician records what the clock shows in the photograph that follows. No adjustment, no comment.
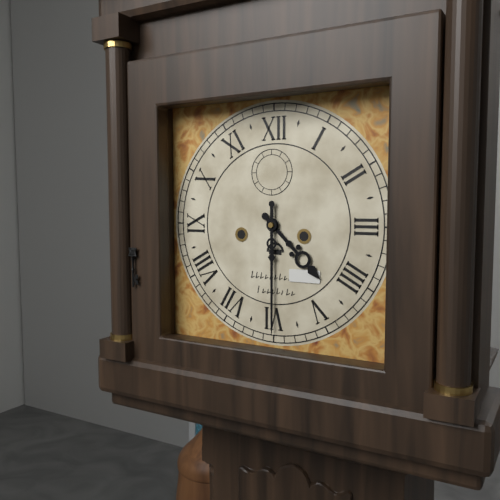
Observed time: 4:30
